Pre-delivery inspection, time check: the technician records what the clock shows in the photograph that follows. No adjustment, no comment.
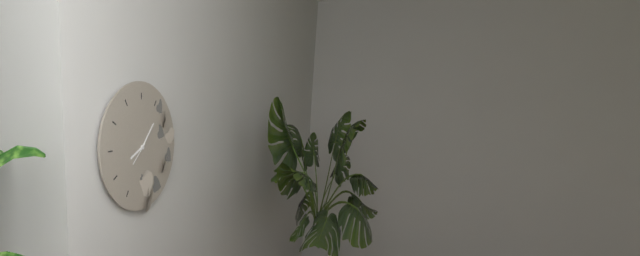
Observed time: 8:07
